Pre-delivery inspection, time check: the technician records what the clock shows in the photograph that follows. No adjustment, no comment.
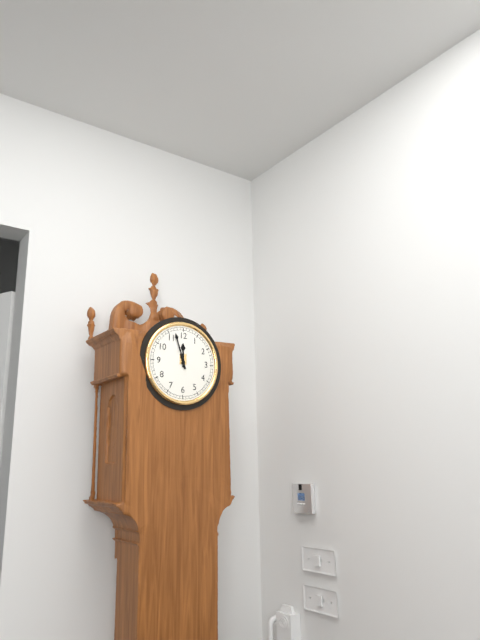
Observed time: 11:57
